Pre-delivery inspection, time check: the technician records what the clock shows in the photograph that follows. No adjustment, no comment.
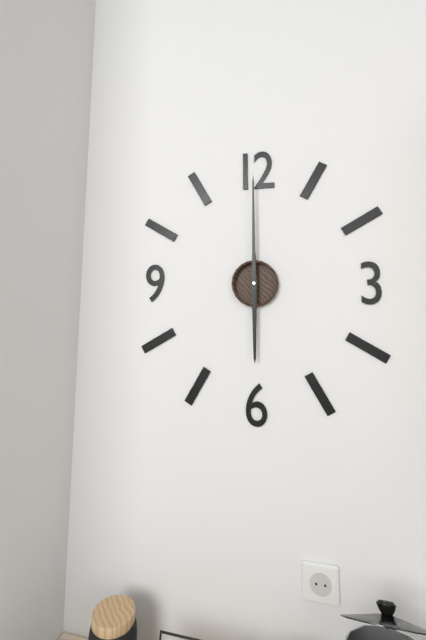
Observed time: 6:00
